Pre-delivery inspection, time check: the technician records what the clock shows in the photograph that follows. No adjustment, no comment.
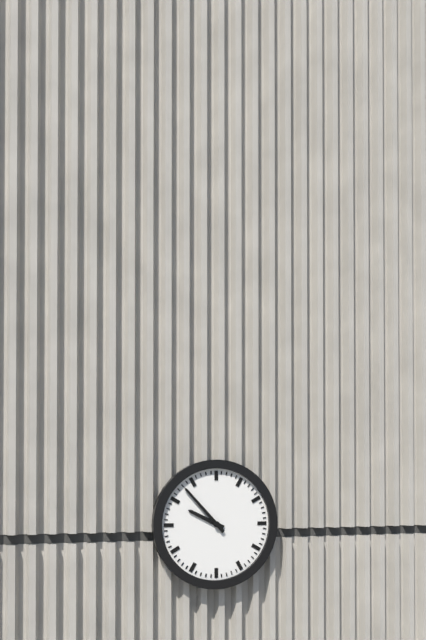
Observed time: 9:53
